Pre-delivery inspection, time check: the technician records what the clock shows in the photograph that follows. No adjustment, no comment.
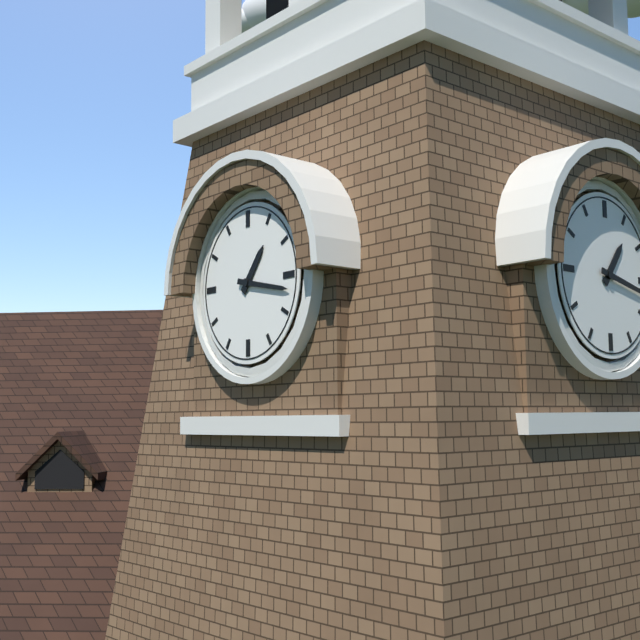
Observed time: 1:17
